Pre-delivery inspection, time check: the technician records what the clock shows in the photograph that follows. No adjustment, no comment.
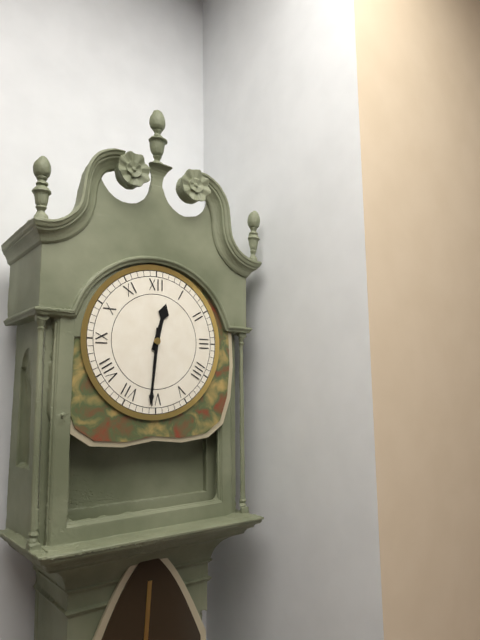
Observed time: 12:31
